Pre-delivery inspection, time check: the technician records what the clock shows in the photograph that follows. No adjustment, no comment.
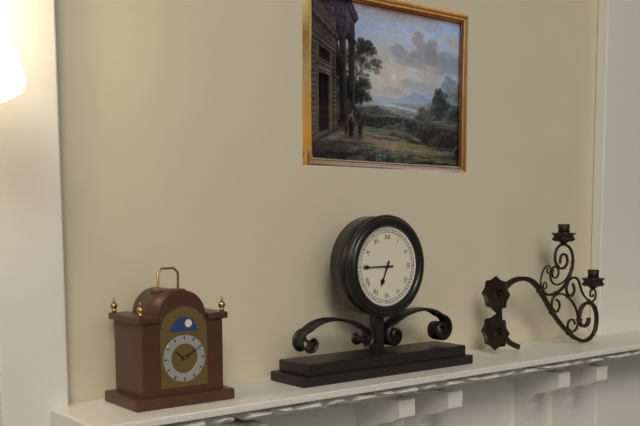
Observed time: 6:45
